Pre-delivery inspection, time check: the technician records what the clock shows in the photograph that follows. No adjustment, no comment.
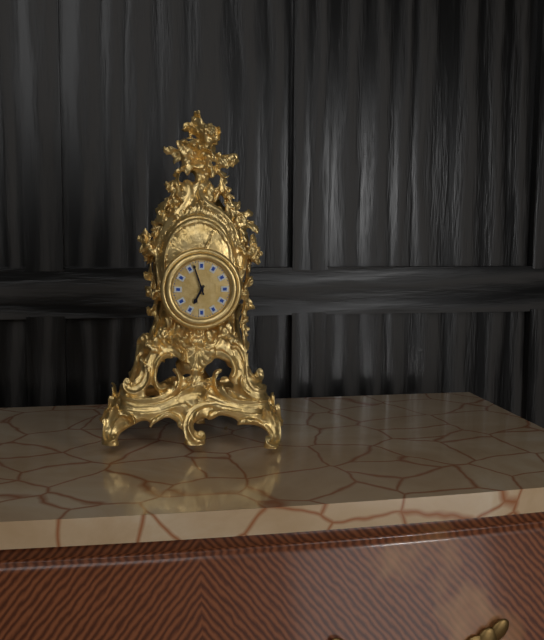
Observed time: 6:57
